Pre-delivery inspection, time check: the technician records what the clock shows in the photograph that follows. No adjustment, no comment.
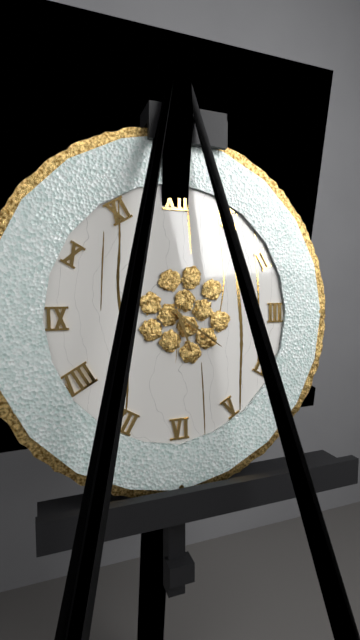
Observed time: 5:21:31
